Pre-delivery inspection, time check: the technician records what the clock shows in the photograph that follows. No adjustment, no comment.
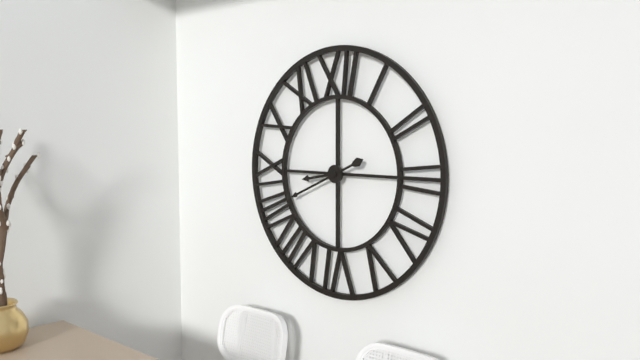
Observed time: 8:41
